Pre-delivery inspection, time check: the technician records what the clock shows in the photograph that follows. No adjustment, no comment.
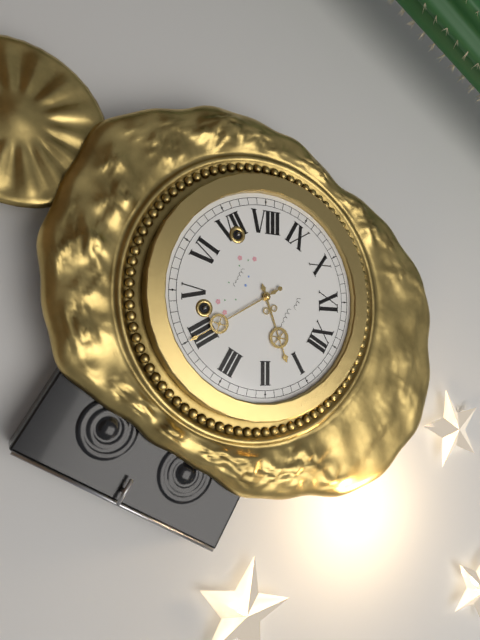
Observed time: 1:20
